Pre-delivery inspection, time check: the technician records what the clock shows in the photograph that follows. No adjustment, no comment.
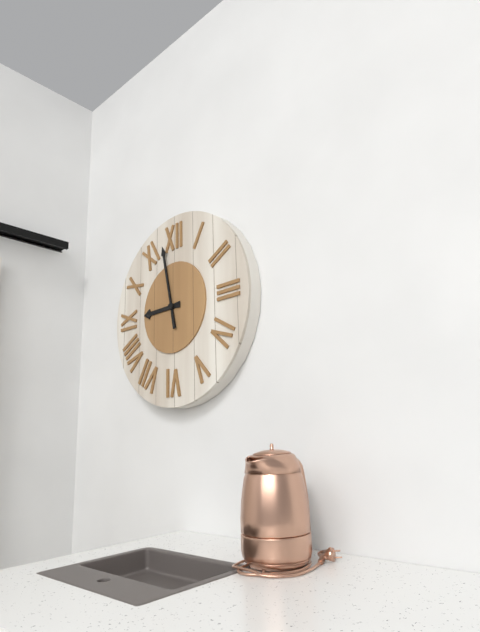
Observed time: 8:58
